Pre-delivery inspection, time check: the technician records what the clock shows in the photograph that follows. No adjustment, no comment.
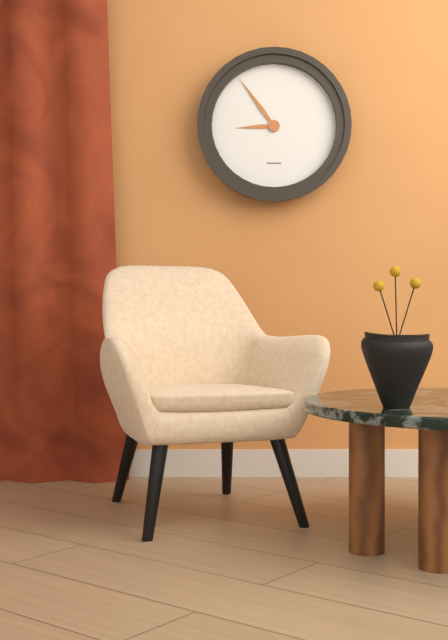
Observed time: 8:54
